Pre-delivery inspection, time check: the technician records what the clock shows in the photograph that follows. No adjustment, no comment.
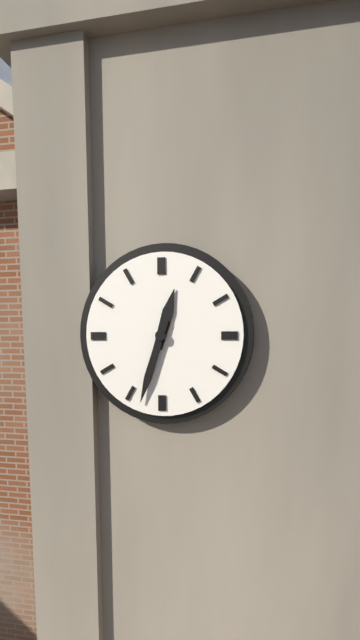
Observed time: 12:33
